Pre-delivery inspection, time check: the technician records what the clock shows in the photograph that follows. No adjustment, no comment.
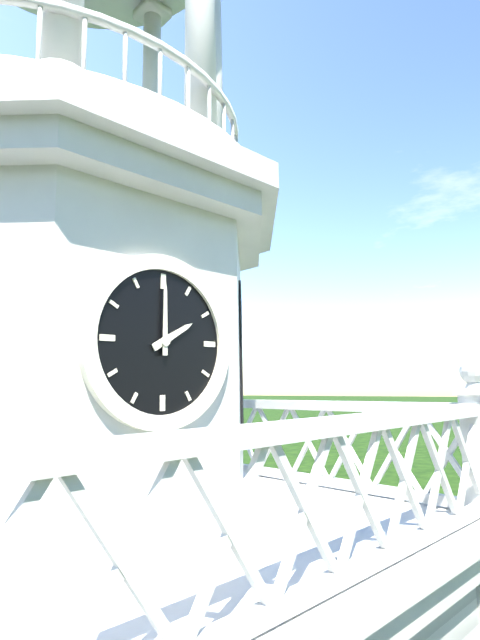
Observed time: 2:00
